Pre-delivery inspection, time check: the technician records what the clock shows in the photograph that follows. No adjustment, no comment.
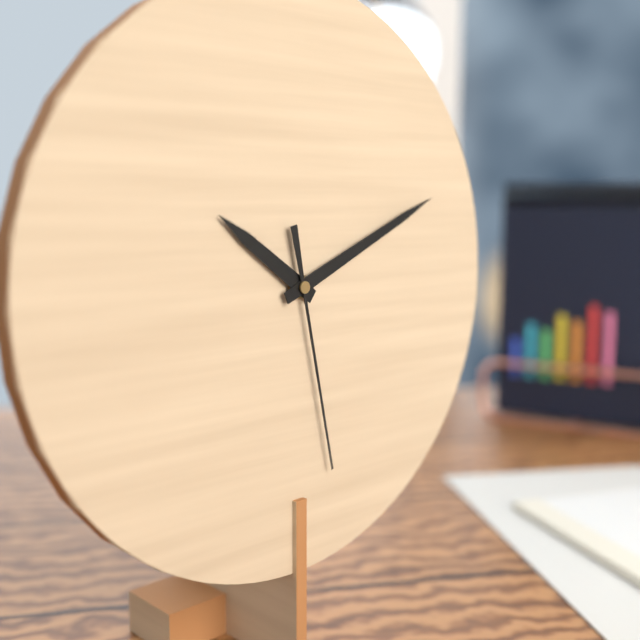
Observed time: 10:11:28
